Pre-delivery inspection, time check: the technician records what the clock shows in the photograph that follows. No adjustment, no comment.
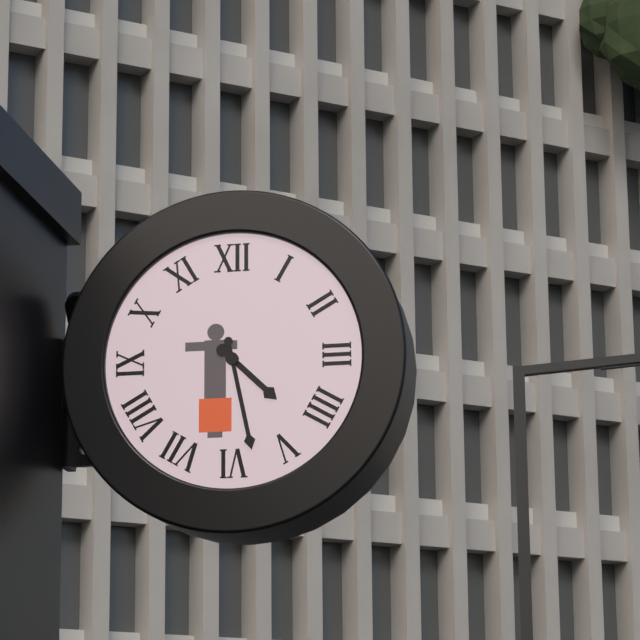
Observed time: 4:28
